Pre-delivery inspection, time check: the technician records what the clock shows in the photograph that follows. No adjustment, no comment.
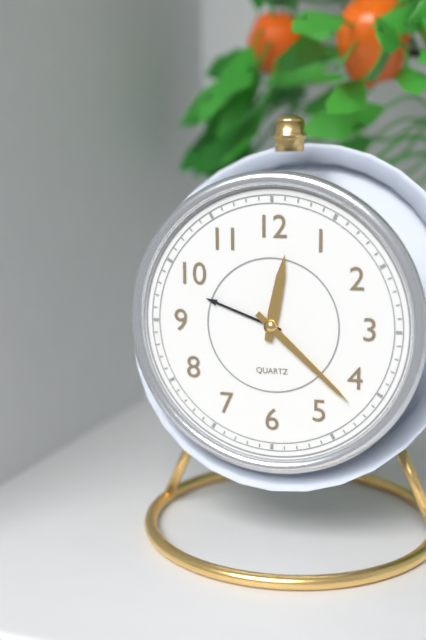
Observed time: 12:22
